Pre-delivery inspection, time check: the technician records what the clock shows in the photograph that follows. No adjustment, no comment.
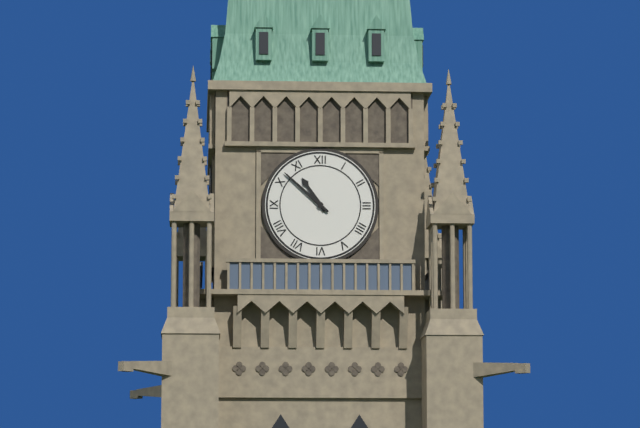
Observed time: 10:52
